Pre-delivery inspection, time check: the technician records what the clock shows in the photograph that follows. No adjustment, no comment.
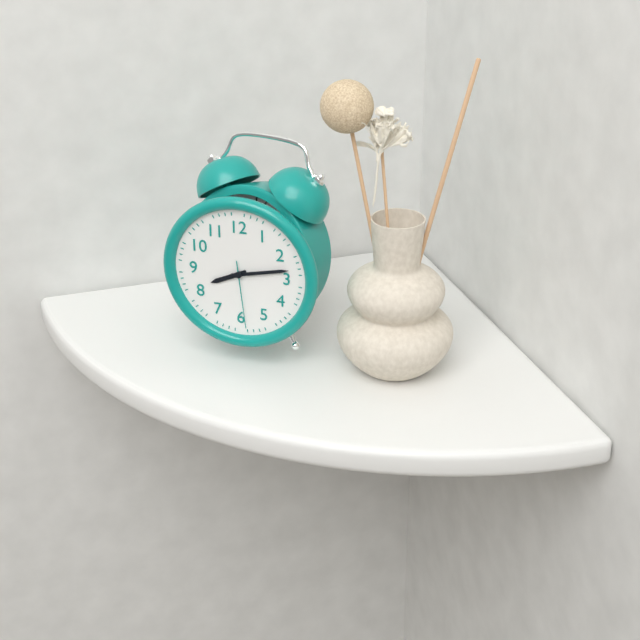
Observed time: 8:13:29
